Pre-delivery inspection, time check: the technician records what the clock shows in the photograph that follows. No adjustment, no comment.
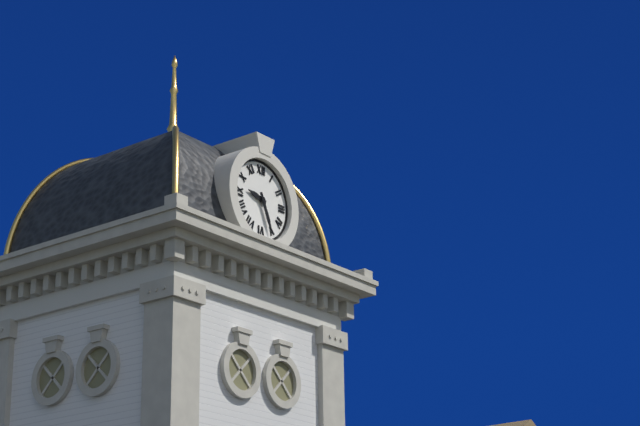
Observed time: 9:26
